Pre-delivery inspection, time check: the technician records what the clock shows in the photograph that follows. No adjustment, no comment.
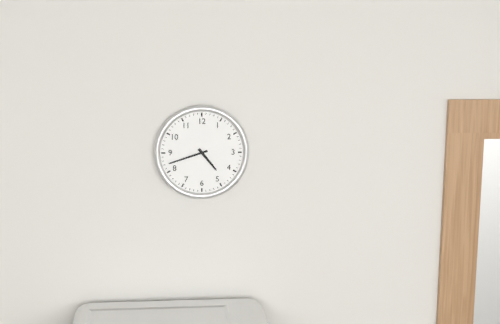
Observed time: 4:42
